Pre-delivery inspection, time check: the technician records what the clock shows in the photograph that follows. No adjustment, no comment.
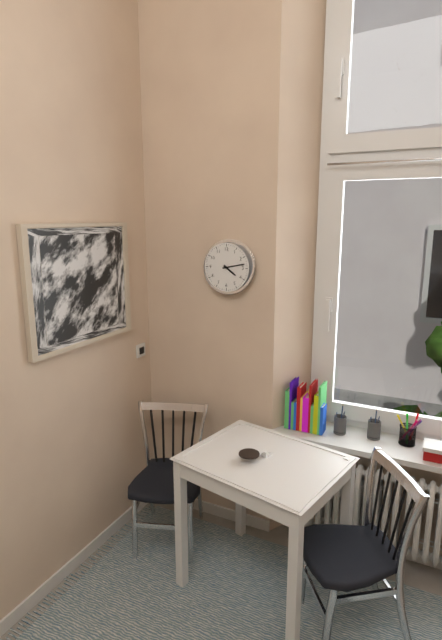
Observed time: 4:13
